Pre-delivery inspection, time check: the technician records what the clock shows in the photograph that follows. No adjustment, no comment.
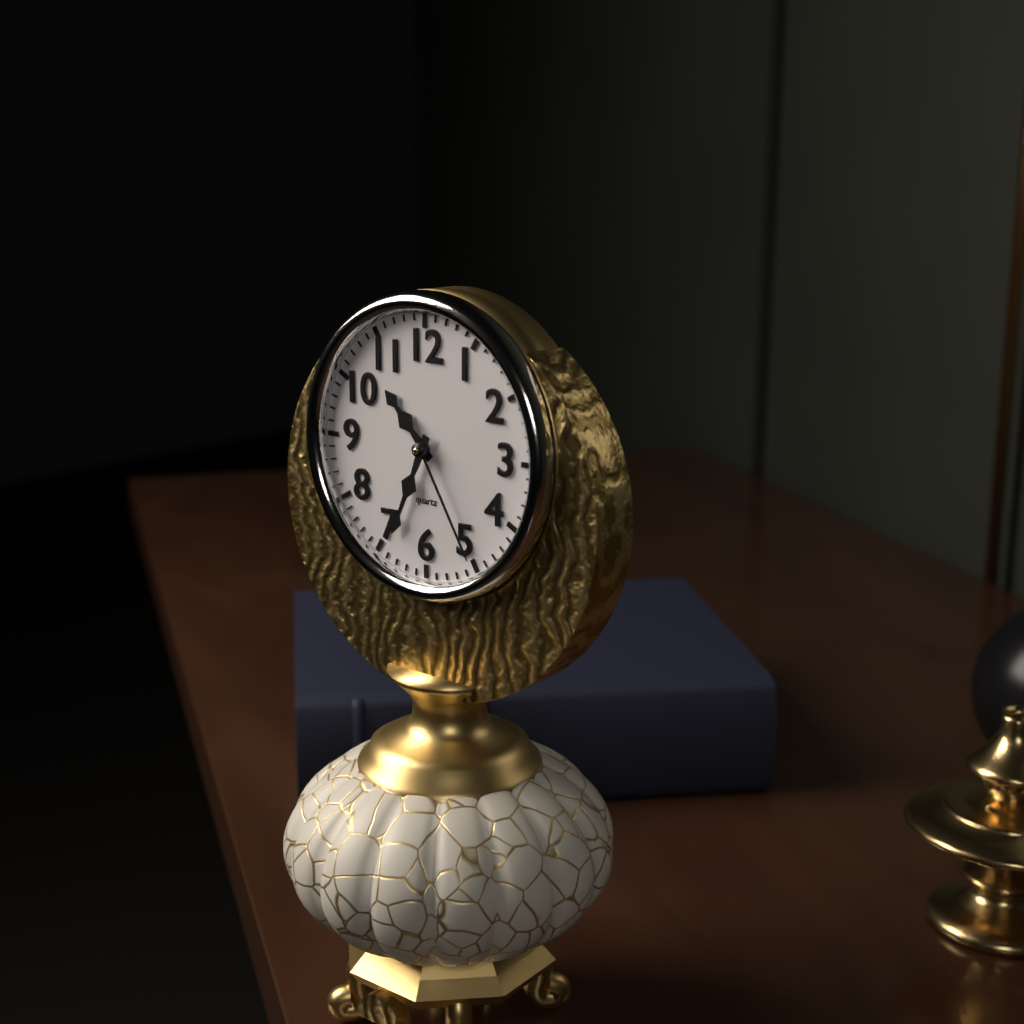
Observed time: 10:34:25
